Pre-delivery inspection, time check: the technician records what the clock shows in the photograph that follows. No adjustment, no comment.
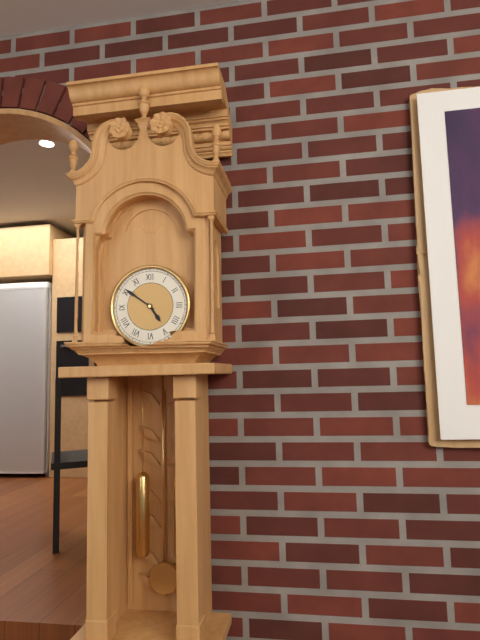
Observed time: 4:51
